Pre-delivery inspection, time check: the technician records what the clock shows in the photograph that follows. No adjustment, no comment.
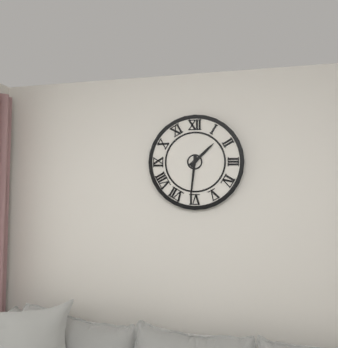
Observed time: 1:31
